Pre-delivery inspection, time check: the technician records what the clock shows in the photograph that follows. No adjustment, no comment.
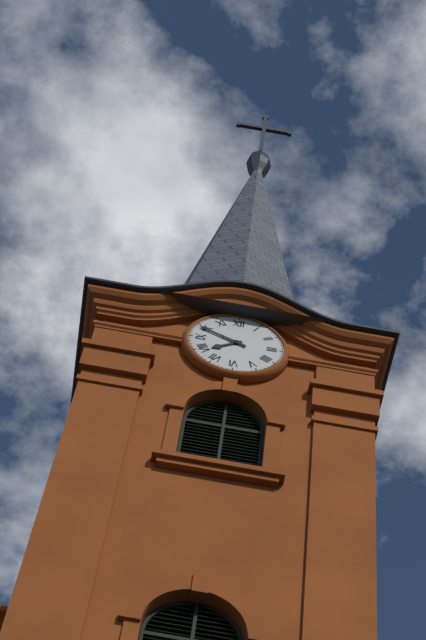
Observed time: 7:49
